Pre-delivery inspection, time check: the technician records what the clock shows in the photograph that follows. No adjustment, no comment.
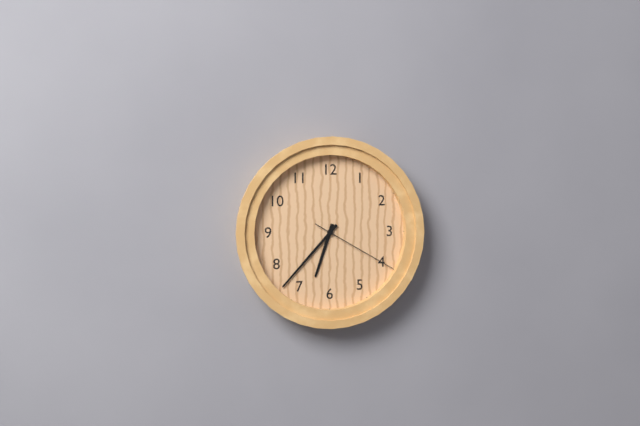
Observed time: 6:37:20
